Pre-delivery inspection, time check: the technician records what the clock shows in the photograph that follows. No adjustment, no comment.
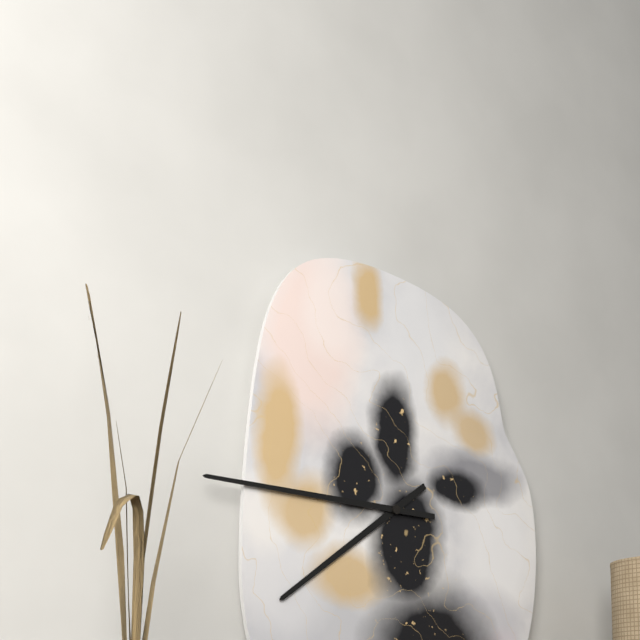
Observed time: 7:45
